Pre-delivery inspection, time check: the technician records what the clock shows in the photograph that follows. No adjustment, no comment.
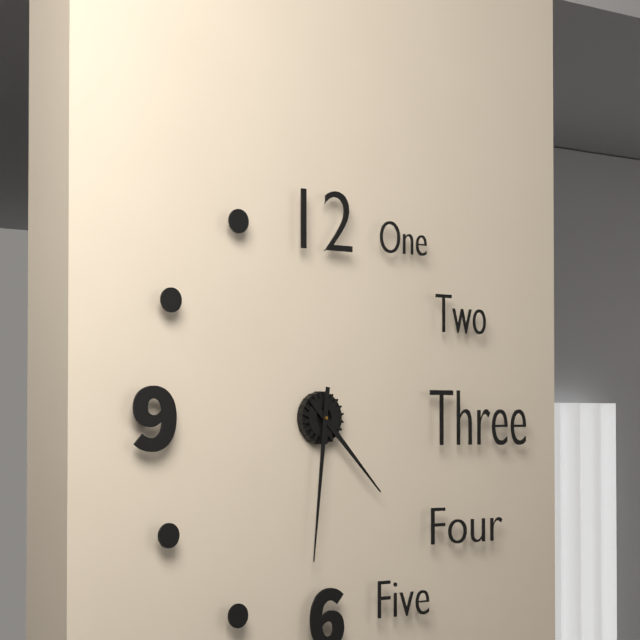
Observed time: 4:31
